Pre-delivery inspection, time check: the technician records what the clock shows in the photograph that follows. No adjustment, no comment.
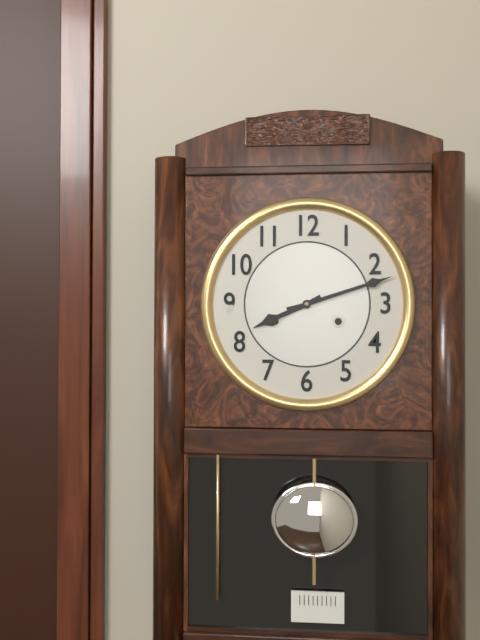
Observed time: 8:12
